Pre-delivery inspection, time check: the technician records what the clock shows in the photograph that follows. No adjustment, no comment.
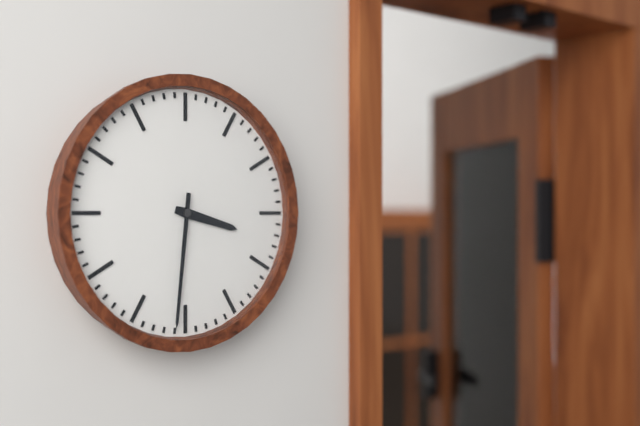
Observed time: 3:31
